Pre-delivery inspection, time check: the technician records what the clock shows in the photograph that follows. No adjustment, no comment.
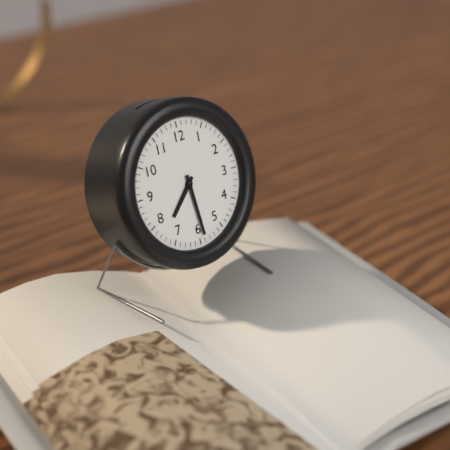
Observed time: 7:29
